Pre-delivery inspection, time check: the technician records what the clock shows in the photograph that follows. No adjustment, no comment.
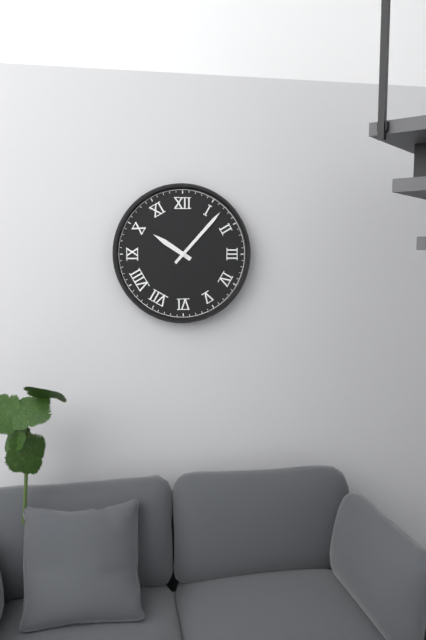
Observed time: 10:07
